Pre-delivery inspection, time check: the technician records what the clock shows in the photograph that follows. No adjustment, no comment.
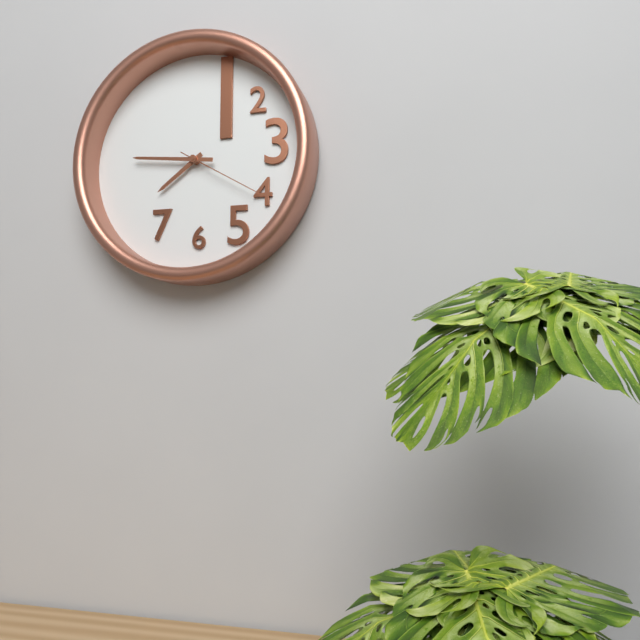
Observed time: 7:46:20
